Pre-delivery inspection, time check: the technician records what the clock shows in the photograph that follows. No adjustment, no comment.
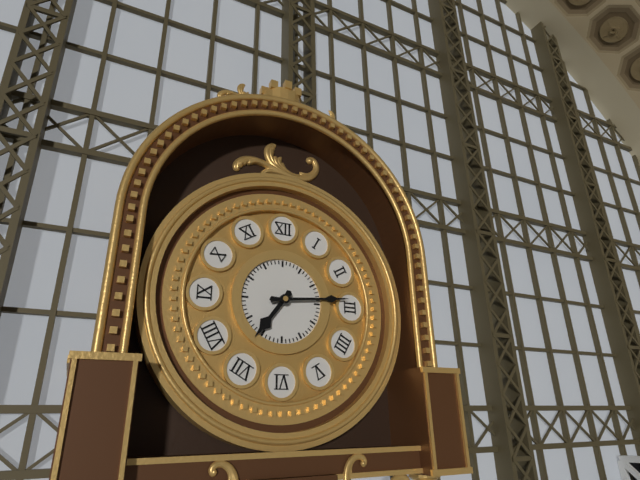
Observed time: 7:14
